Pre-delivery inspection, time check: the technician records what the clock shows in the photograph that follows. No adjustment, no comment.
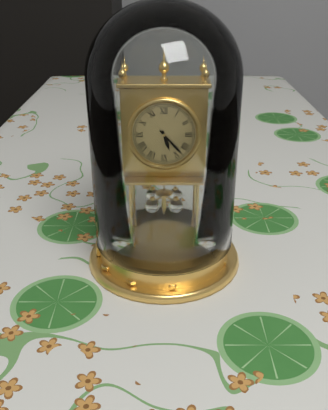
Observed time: 5:23
